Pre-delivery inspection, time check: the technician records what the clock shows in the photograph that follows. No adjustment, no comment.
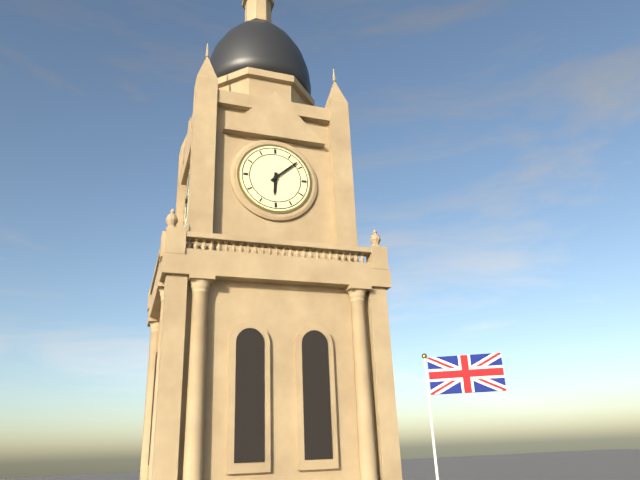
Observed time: 6:08
